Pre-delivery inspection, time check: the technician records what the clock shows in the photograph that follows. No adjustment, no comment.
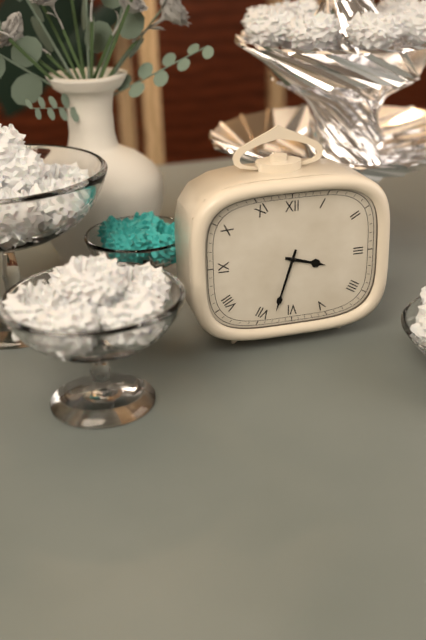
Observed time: 3:33
